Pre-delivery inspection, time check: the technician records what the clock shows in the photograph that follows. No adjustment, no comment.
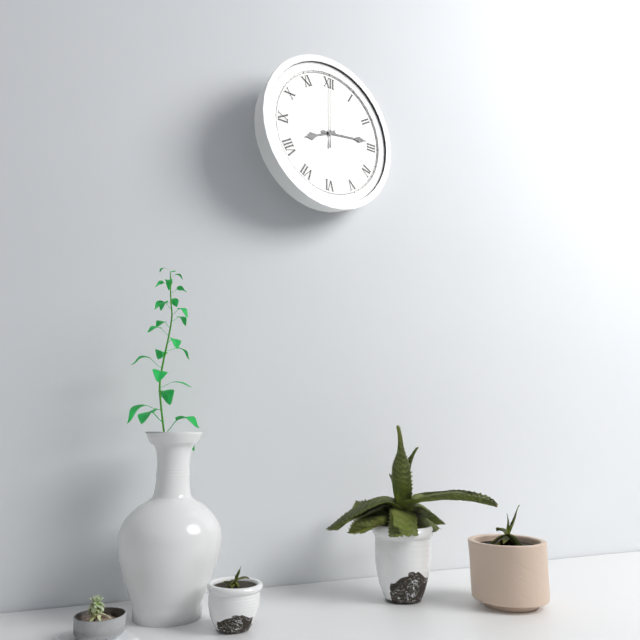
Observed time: 8:14:00
